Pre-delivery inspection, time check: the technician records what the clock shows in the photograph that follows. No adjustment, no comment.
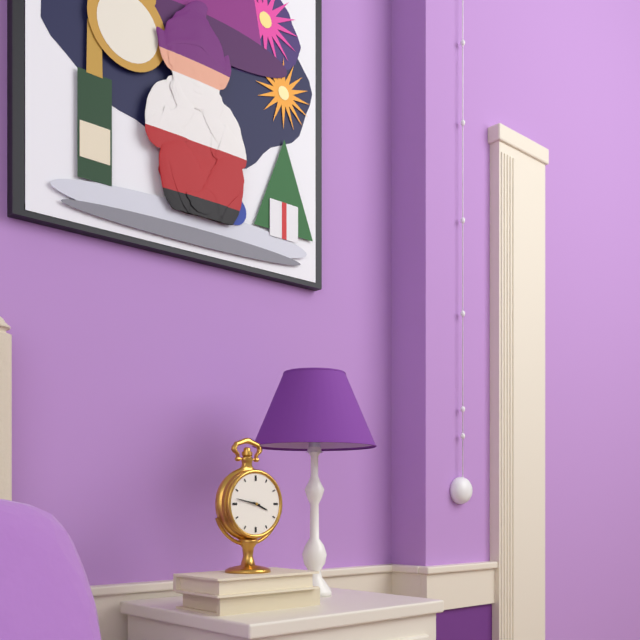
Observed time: 3:47
